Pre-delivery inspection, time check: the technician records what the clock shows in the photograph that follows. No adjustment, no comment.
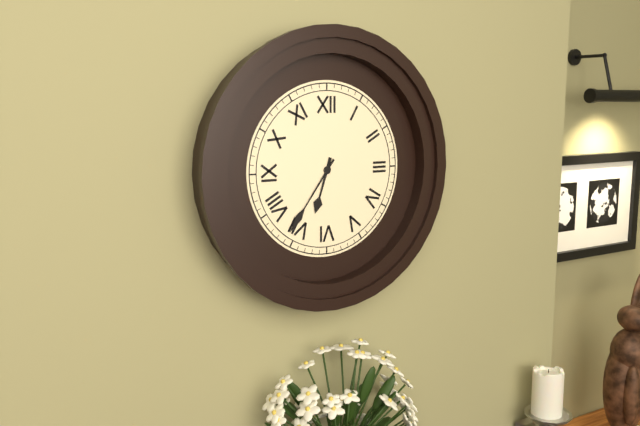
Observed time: 6:36
